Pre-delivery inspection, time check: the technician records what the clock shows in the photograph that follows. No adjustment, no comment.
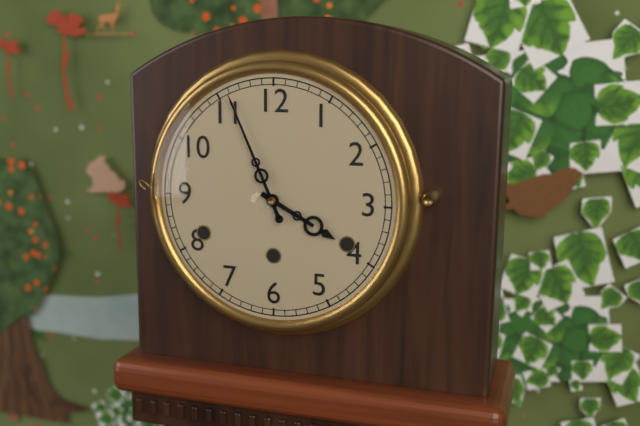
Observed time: 3:56
